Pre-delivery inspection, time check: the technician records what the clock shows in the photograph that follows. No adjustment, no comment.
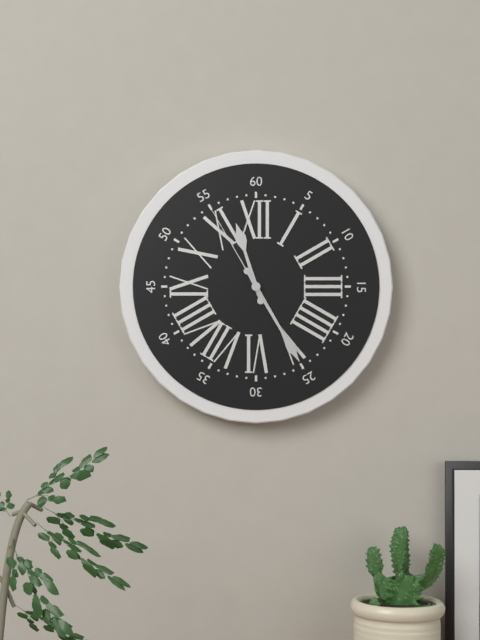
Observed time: 11:25:55
